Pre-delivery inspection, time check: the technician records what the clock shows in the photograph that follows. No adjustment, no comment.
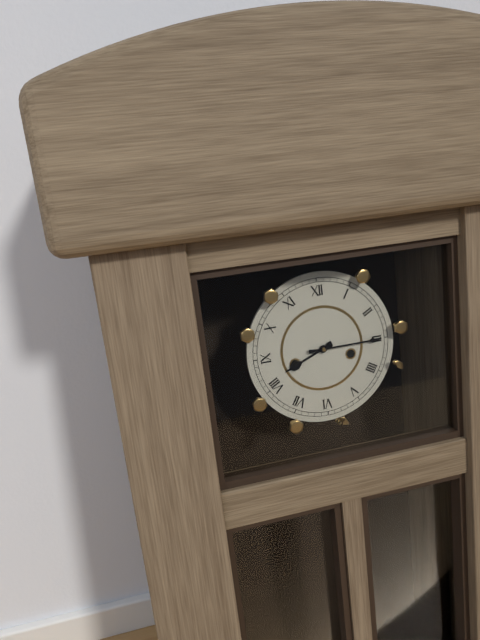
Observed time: 8:15
